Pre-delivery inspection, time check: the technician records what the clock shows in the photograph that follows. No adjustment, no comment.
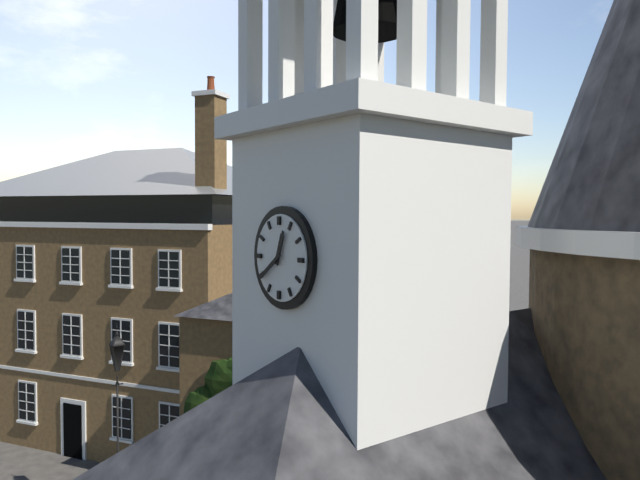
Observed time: 12:39
